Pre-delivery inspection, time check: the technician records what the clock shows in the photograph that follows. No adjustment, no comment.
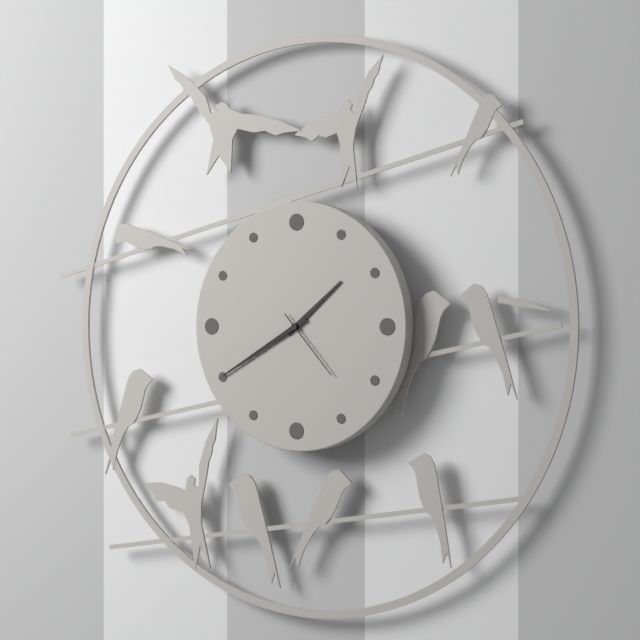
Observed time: 1:40:23
